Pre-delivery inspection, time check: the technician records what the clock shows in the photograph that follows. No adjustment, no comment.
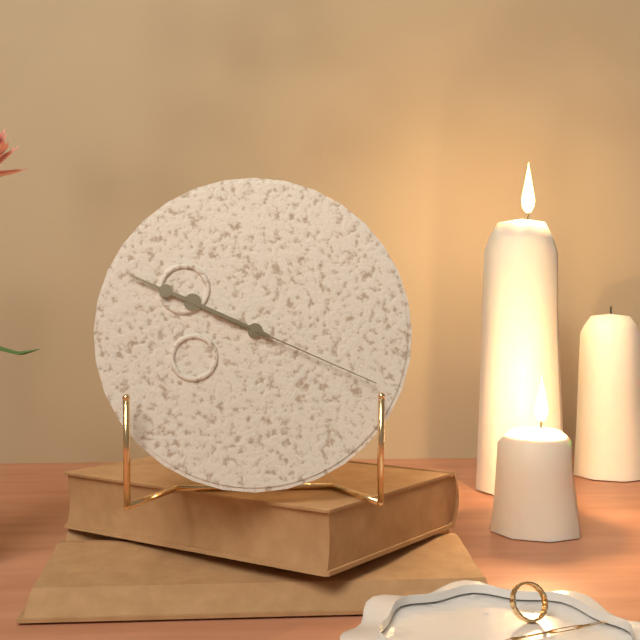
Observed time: 9:49:19
